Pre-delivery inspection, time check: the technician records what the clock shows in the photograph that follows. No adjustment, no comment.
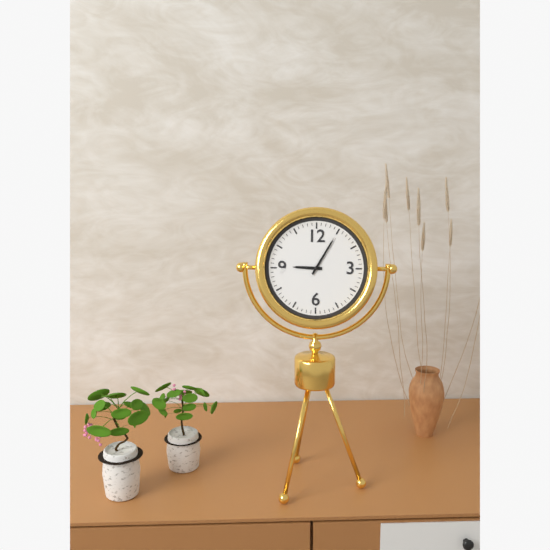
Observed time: 9:05
